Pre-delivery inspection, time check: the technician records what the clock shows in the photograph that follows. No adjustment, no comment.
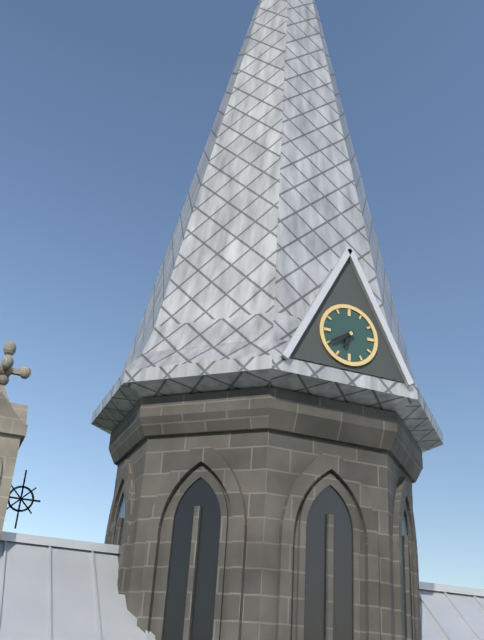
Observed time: 6:40
